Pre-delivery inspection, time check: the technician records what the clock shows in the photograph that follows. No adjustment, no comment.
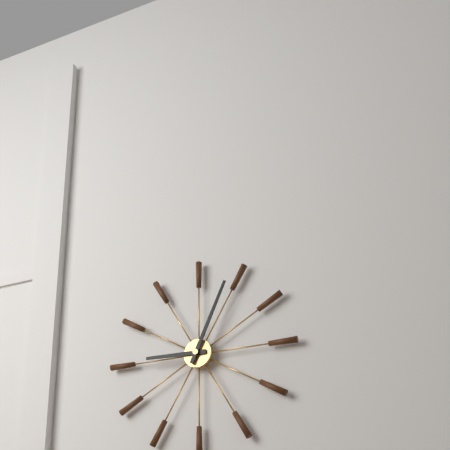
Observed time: 9:04
